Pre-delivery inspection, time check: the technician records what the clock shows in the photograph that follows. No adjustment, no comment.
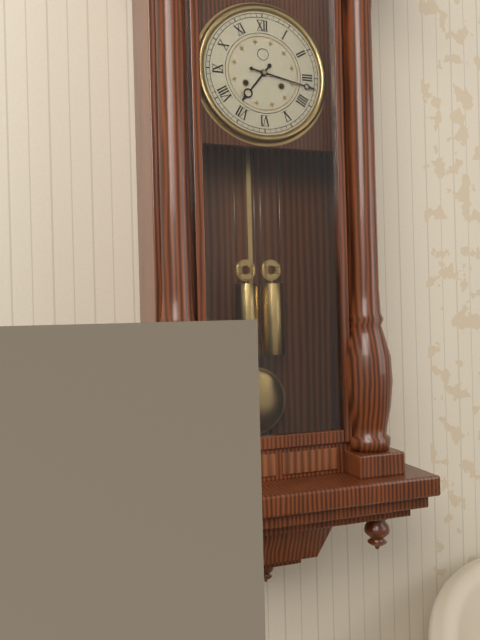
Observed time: 7:17
